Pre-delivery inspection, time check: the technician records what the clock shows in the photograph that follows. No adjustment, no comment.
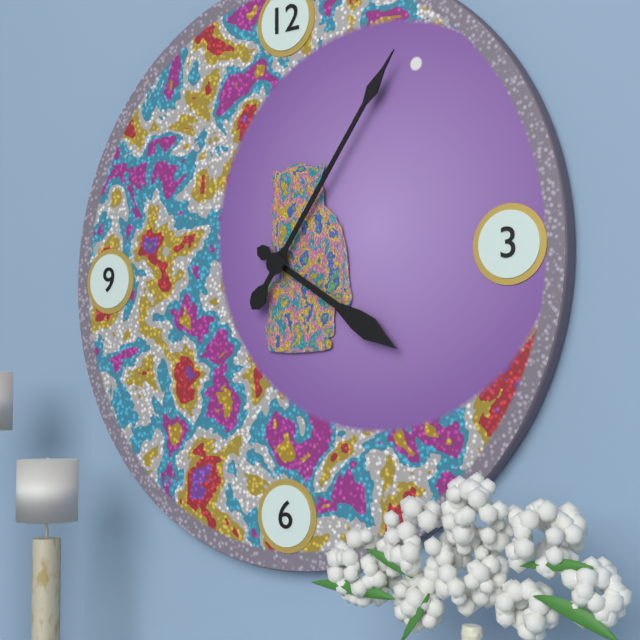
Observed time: 4:06
